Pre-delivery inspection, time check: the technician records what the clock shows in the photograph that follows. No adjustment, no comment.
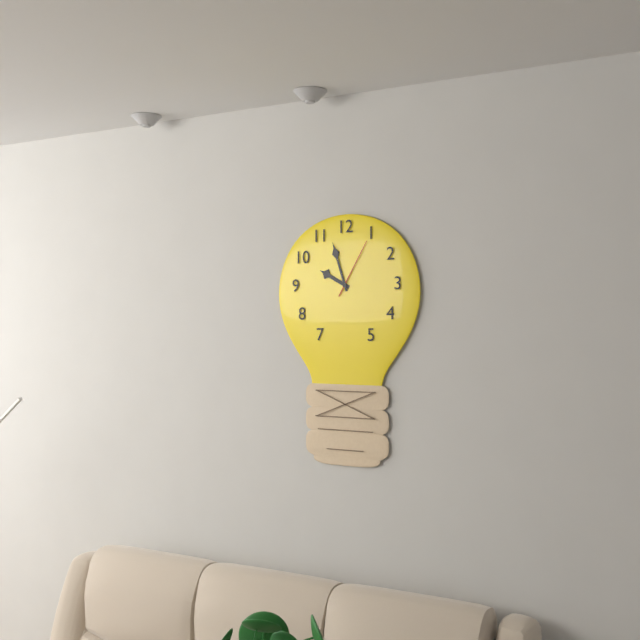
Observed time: 9:57:05
